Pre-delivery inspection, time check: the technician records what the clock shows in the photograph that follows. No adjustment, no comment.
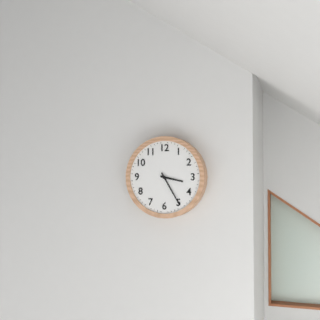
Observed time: 3:25
